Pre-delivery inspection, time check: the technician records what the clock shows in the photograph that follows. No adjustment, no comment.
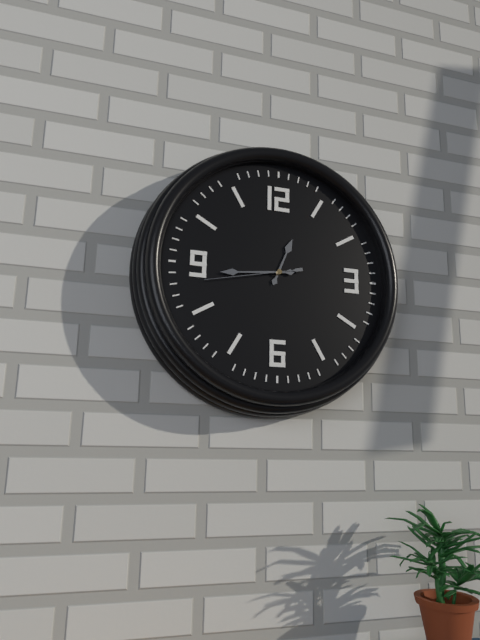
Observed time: 12:44:43
